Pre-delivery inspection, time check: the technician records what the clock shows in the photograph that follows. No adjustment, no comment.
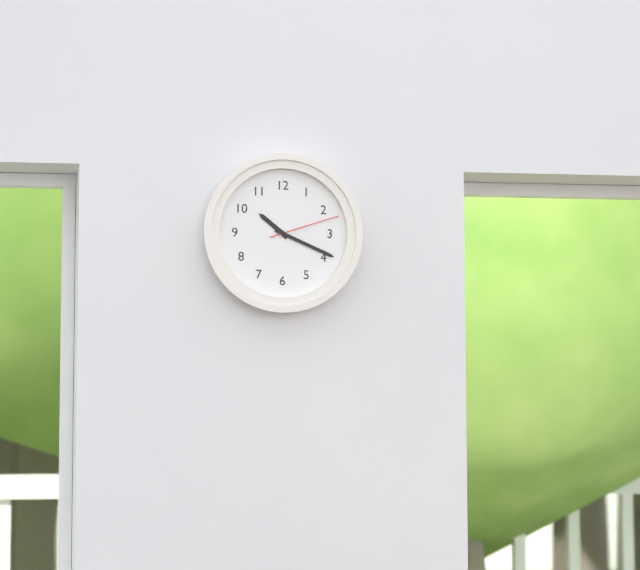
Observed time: 10:19:12
